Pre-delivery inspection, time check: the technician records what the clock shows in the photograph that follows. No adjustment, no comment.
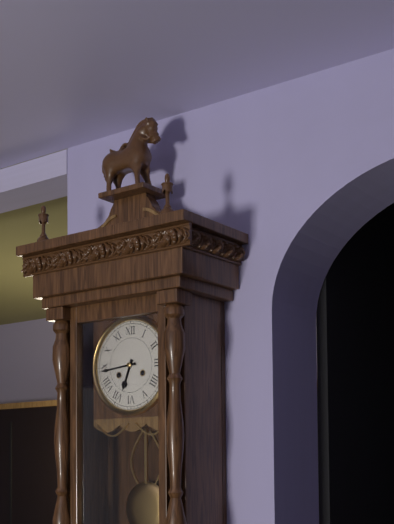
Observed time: 6:44
